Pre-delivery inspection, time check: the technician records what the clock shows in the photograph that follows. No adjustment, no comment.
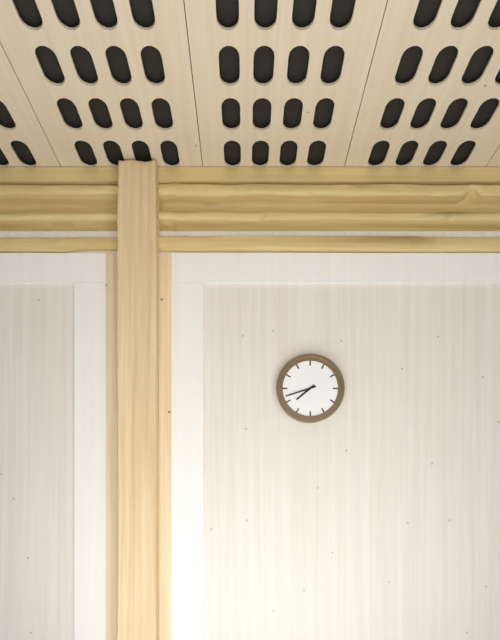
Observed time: 7:42
